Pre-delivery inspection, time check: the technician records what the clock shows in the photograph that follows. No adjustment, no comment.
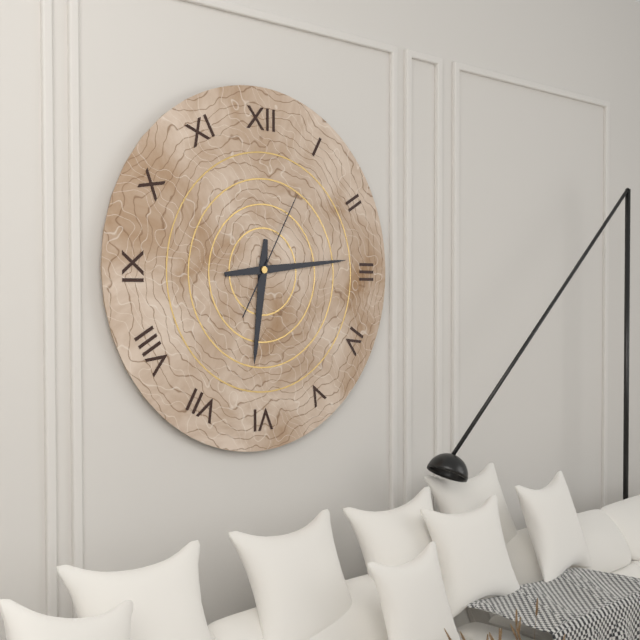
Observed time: 6:14:05
